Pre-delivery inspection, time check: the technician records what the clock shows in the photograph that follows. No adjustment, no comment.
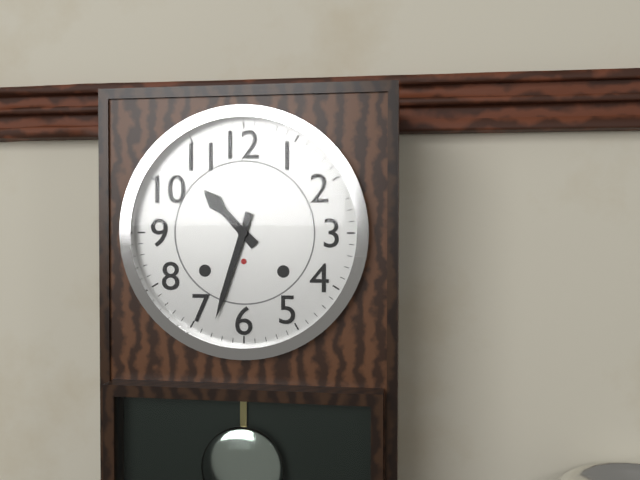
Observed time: 10:33
